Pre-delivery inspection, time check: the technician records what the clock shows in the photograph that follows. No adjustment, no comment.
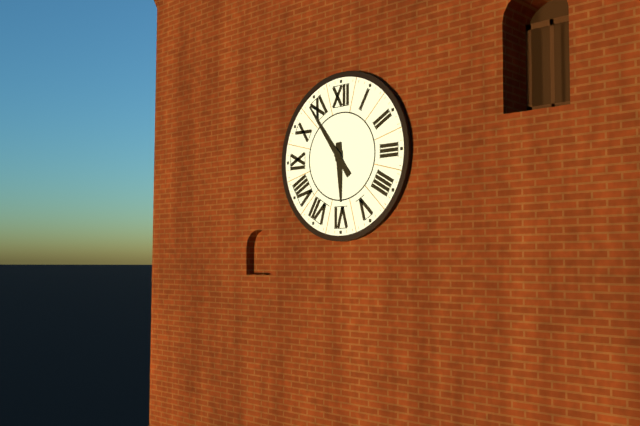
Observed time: 5:54
